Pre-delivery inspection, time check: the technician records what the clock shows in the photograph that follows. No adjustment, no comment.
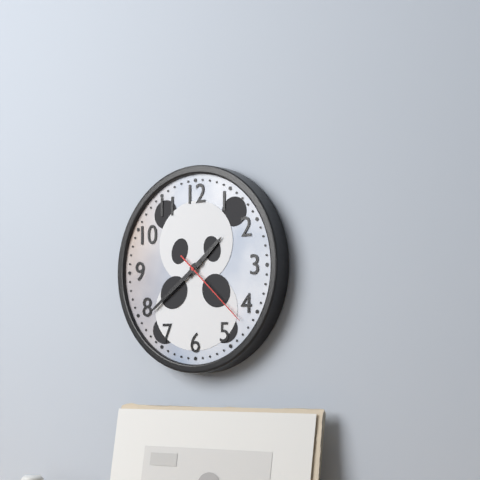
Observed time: 1:39:22
